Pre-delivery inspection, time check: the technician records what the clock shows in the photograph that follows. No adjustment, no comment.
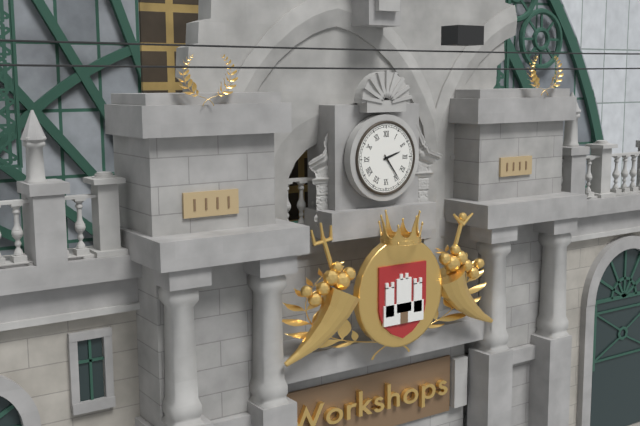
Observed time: 2:24
